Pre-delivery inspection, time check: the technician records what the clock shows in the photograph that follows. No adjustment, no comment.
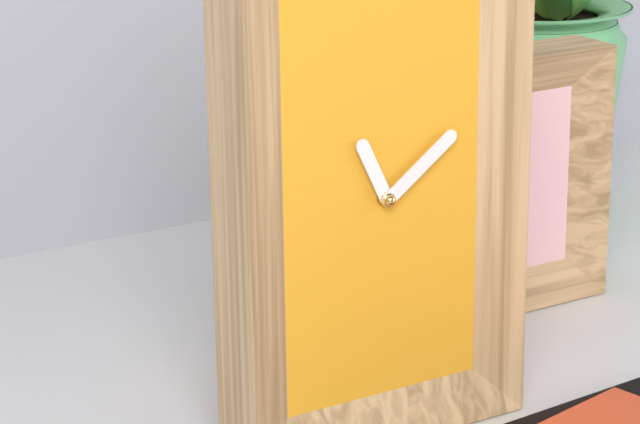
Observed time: 11:09
